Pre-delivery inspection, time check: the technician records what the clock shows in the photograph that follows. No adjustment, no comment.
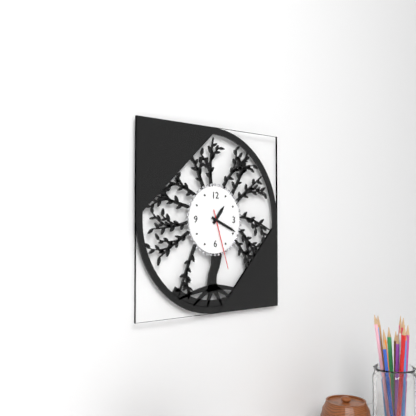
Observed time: 1:19:27
